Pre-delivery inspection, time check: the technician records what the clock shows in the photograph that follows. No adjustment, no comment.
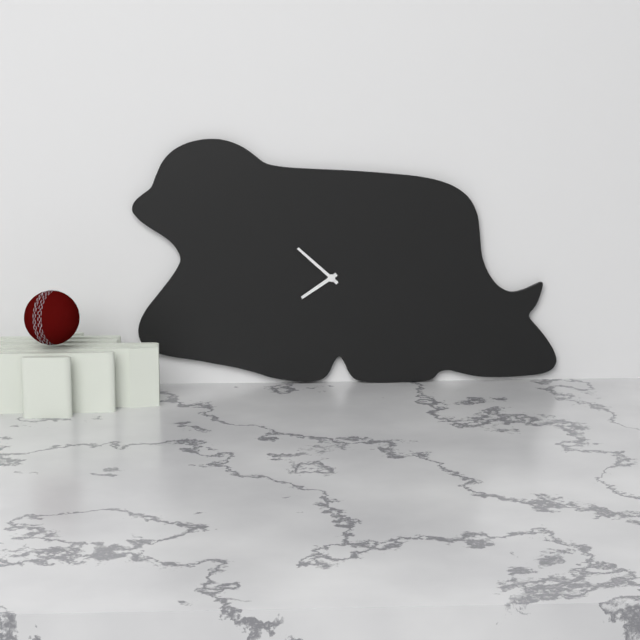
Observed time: 7:52
